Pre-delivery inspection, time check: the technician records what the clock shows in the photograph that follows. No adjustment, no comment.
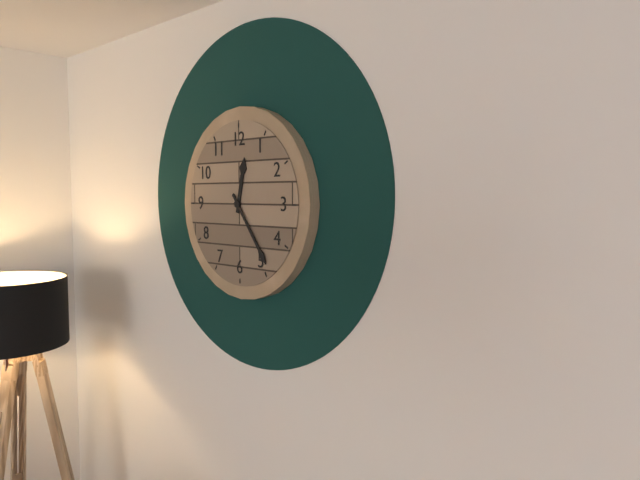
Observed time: 12:24
